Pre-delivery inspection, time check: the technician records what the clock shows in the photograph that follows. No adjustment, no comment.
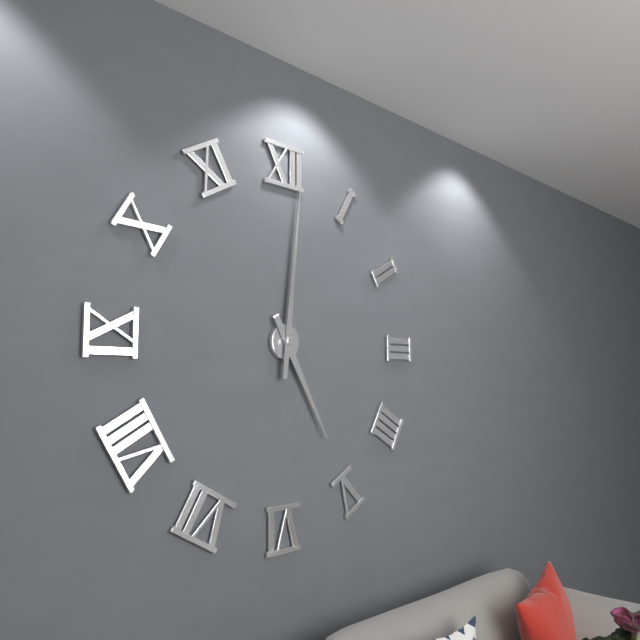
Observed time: 5:01
